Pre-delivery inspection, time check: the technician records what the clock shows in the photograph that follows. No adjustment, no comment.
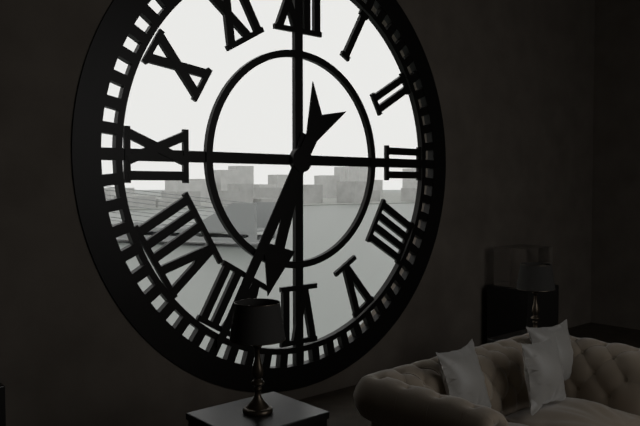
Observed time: 6:35
